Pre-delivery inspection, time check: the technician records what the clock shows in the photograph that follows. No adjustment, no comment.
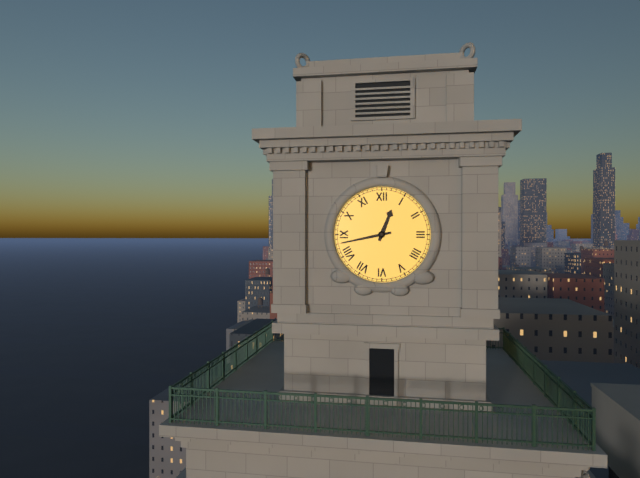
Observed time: 12:43
